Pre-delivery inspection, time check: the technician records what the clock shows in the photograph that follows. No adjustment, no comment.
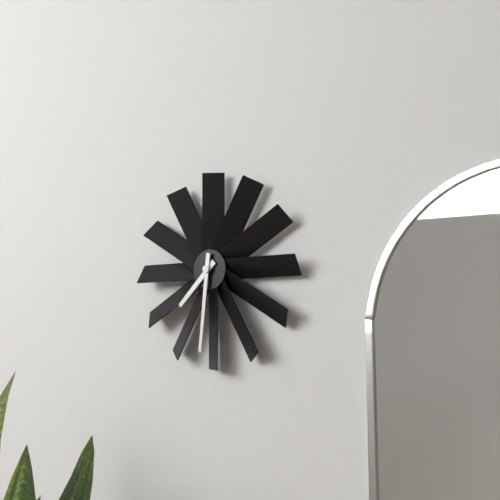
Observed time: 7:31
